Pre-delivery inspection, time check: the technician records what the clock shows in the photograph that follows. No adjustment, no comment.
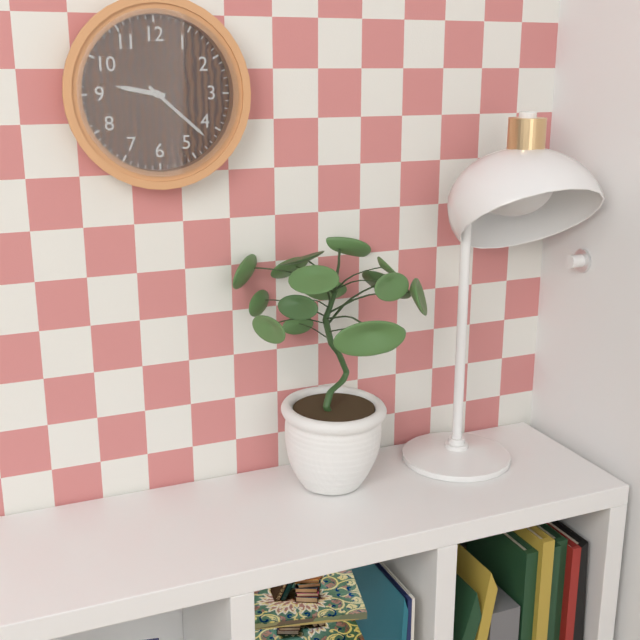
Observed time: 9:22
